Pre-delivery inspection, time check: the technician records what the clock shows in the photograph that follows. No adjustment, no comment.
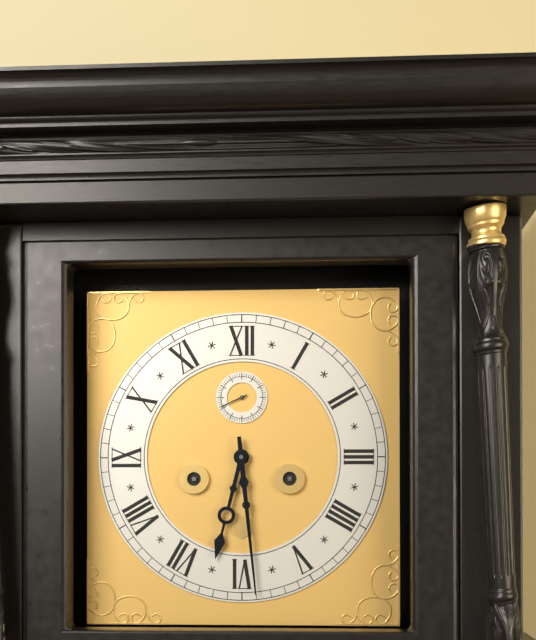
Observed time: 6:29
